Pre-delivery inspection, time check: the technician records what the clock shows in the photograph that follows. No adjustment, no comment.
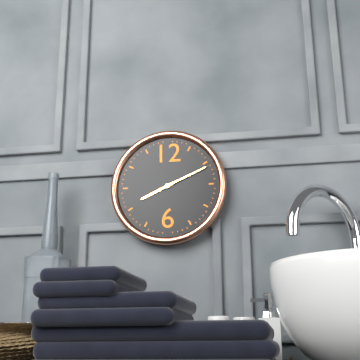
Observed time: 8:11
